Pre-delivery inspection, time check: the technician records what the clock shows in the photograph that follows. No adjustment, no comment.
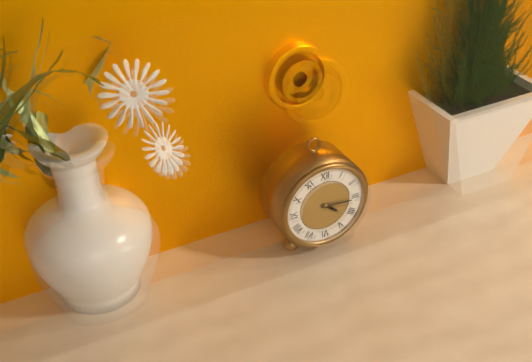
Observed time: 4:16
